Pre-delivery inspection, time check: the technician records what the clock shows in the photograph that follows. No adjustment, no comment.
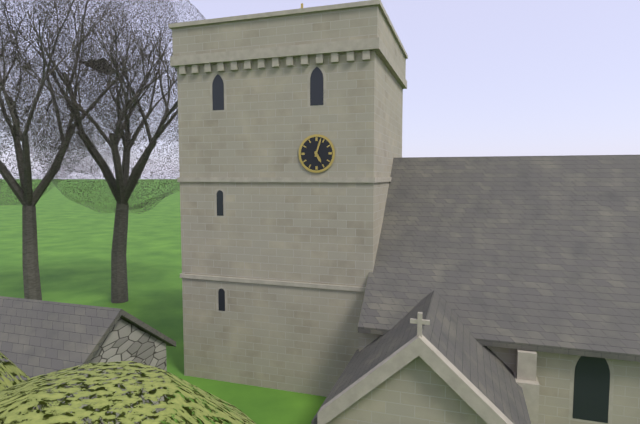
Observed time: 5:03
